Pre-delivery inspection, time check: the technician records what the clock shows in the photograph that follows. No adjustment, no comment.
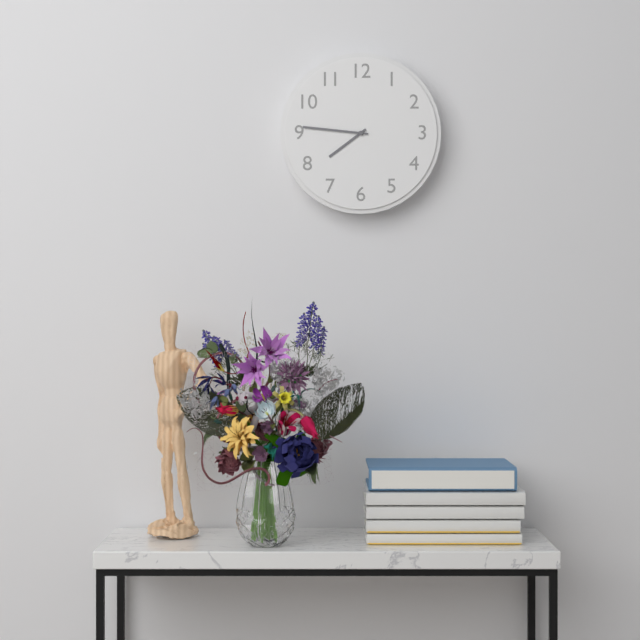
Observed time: 7:46
